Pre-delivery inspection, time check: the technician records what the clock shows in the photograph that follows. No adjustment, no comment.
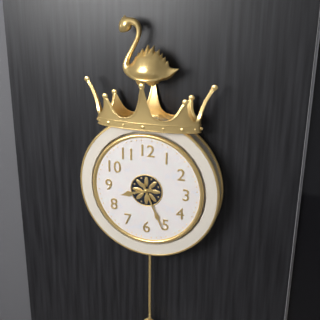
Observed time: 8:26
